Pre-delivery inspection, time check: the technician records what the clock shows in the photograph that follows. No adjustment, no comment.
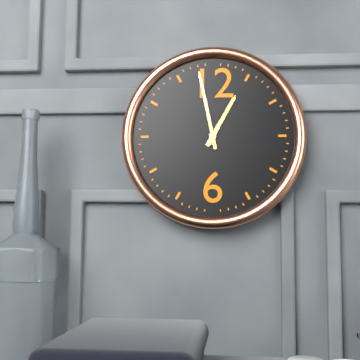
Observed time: 12:58
